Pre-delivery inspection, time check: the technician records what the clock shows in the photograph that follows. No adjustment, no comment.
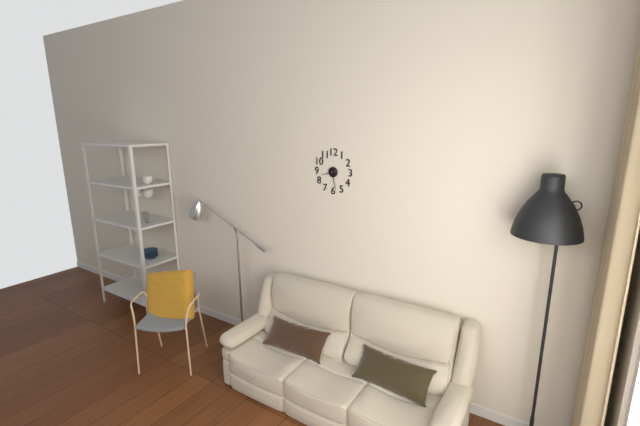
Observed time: 8:28
